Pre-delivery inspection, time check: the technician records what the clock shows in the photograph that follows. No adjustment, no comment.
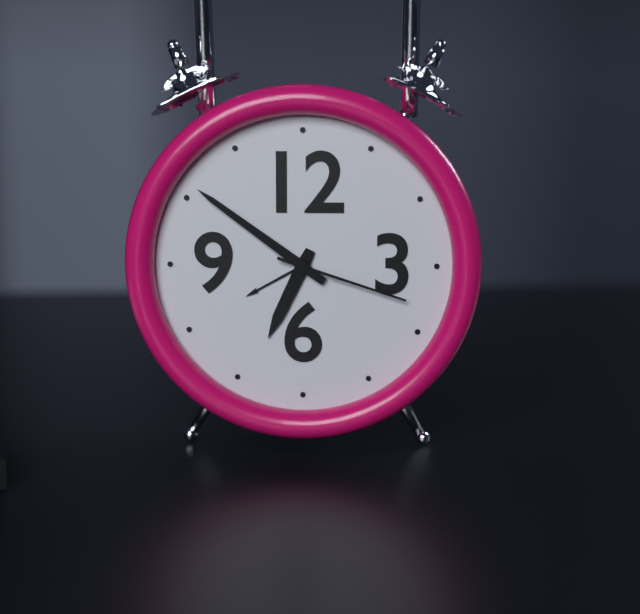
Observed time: 6:51:18
